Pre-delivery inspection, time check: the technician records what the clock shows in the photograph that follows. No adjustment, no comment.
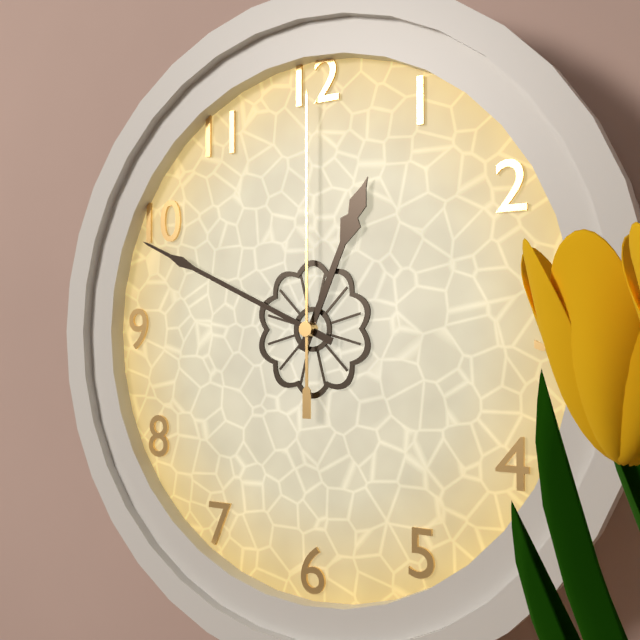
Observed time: 12:49:00
